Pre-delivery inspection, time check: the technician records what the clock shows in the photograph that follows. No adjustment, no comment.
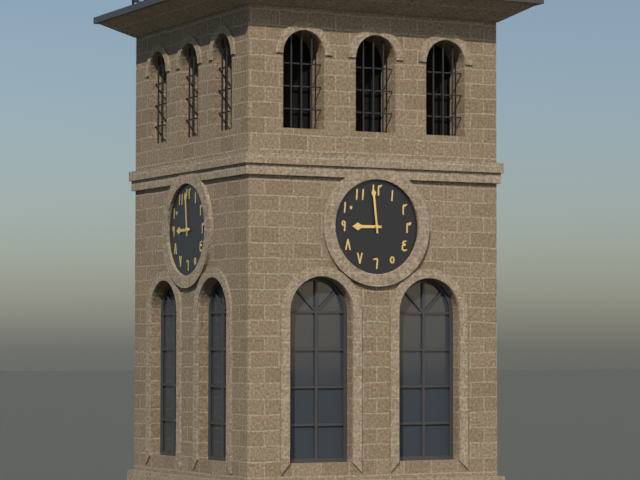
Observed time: 8:59
